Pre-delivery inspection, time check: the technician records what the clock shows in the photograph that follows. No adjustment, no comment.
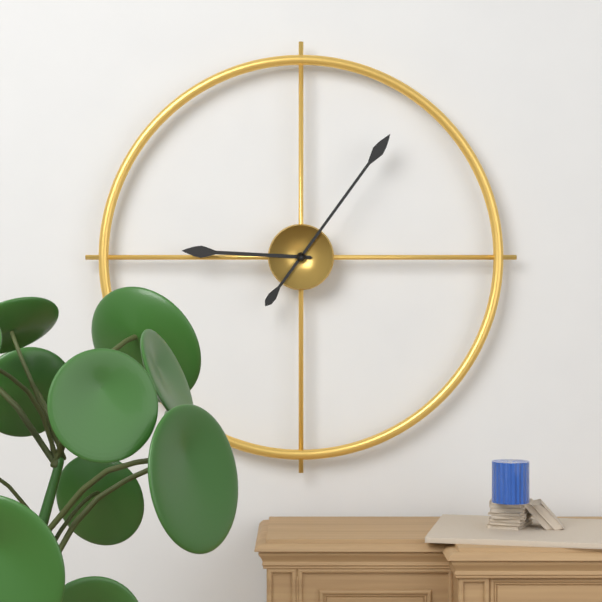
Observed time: 9:06
